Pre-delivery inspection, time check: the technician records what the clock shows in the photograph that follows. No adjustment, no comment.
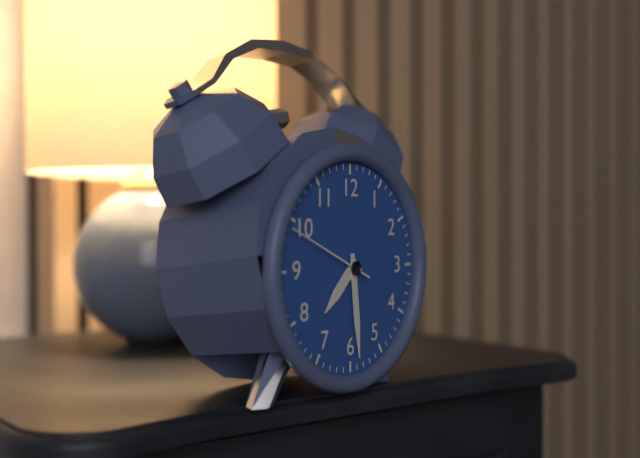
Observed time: 7:29:49
